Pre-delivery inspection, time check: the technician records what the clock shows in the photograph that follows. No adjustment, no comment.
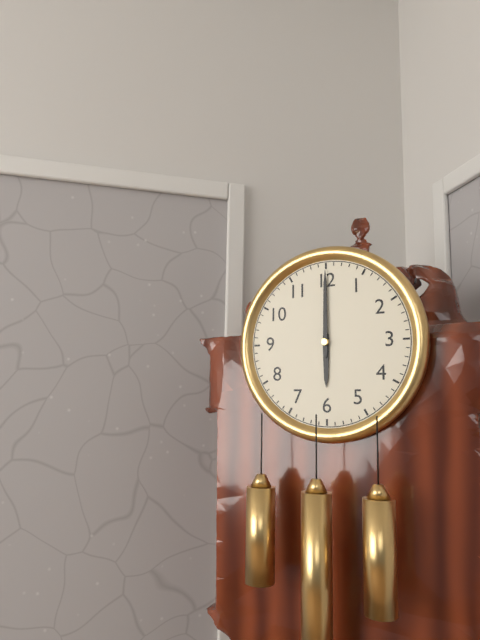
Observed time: 6:00
